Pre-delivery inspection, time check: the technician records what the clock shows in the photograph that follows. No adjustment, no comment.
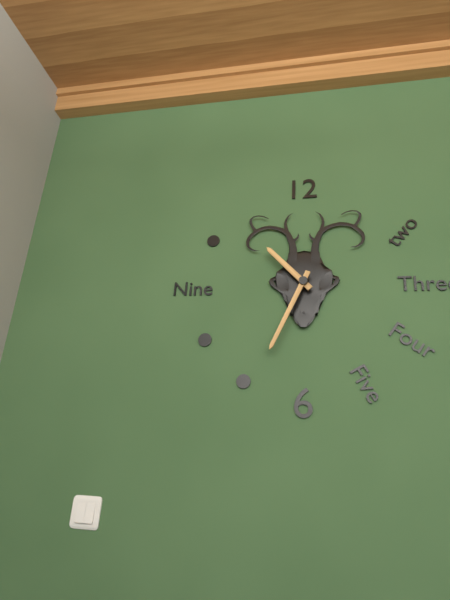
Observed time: 10:34
